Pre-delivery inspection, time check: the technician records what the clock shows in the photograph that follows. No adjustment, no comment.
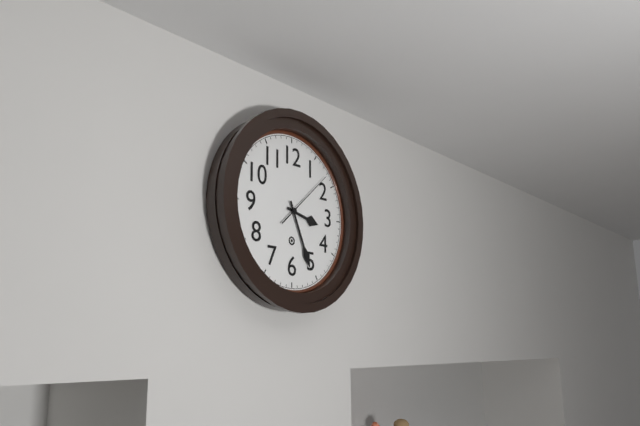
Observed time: 3:26:08
